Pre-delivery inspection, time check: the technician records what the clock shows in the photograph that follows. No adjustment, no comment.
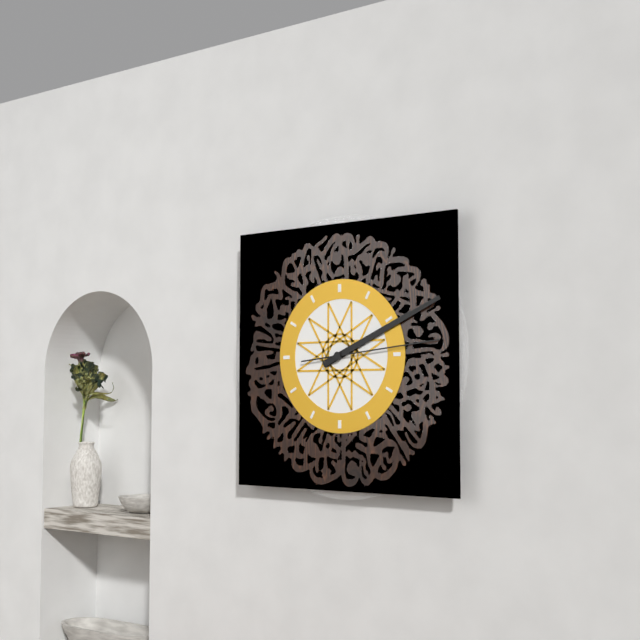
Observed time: 2:11:14
